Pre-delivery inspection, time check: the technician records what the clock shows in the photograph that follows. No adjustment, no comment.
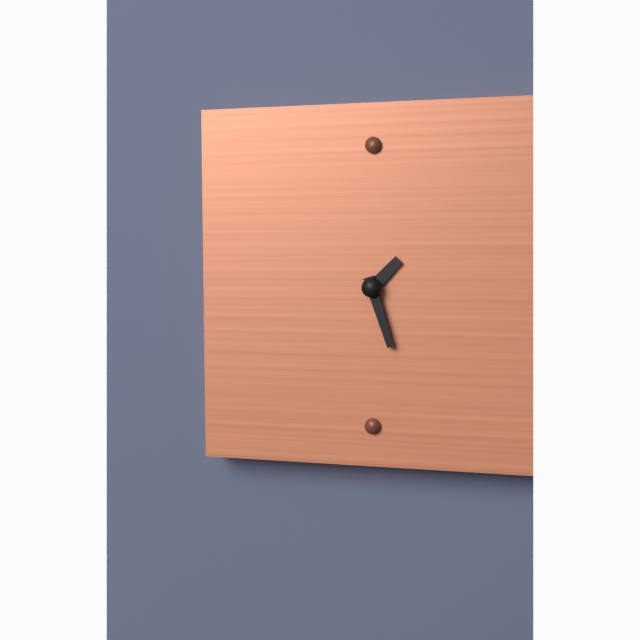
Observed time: 1:27
